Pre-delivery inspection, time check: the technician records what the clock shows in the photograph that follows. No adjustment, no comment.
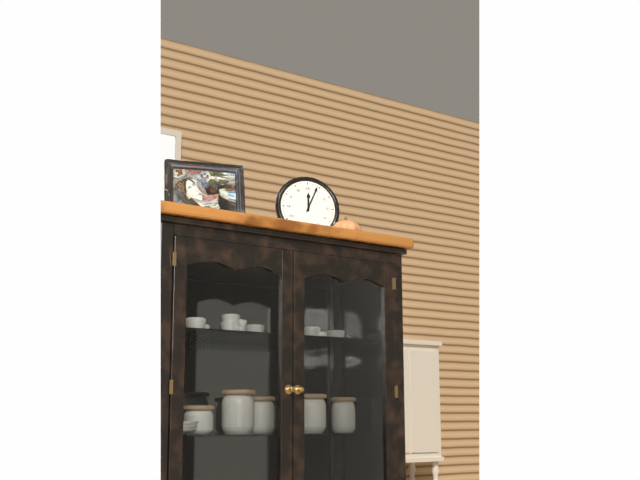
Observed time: 12:04
